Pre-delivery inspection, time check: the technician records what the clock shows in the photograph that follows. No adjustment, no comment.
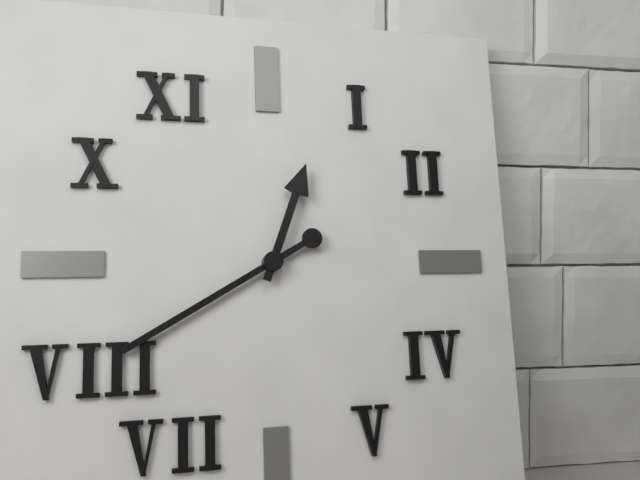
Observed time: 12:40
